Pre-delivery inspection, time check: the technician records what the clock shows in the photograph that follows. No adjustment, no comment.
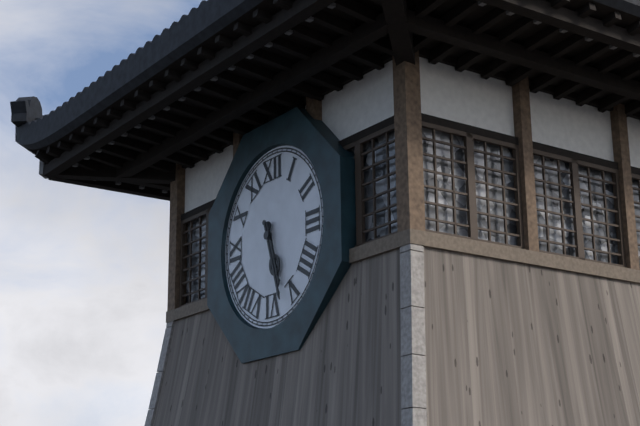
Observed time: 5:27
